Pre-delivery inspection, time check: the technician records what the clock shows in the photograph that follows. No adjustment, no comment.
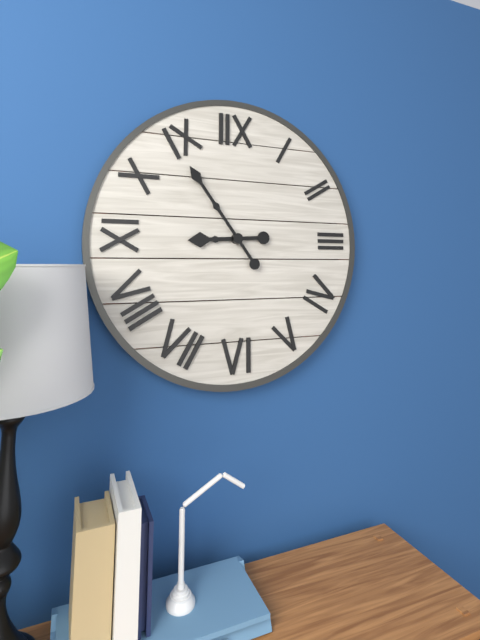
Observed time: 8:54
